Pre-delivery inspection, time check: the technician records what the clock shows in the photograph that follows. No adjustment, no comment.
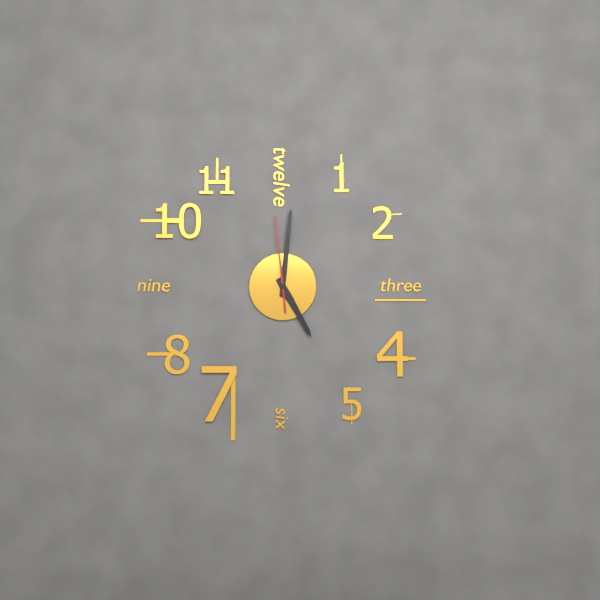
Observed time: 5:01:59
